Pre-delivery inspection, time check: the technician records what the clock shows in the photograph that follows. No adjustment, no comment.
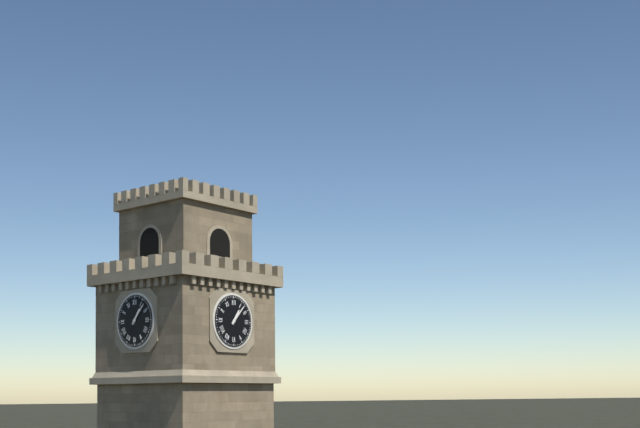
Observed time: 1:07
